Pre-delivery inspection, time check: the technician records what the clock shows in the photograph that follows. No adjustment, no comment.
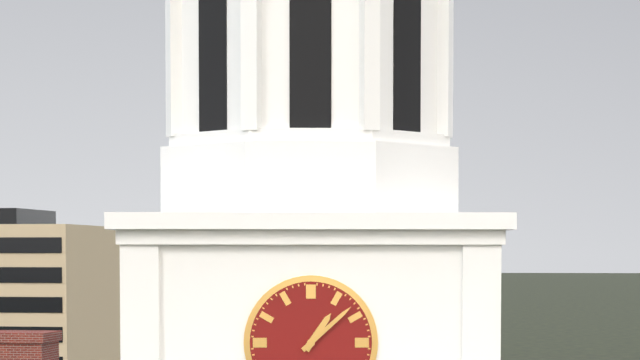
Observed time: 1:08
